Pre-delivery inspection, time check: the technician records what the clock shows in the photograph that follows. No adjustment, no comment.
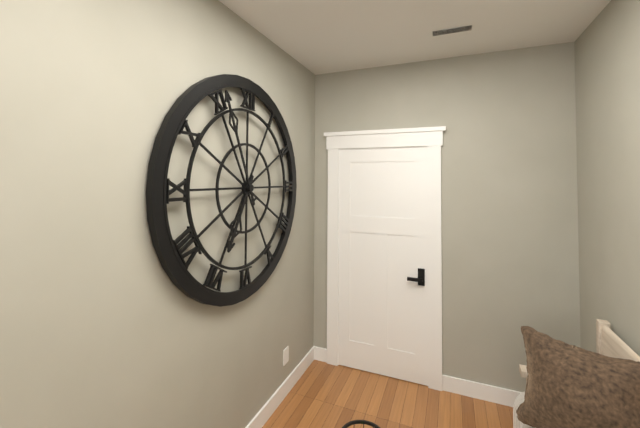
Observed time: 6:56
